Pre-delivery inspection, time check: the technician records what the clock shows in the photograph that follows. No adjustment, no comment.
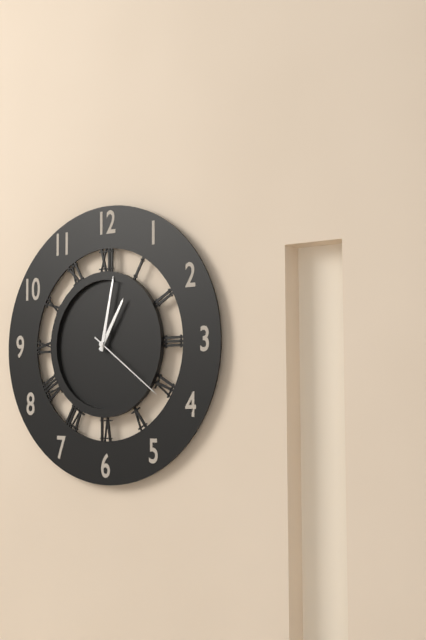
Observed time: 1:02:21
